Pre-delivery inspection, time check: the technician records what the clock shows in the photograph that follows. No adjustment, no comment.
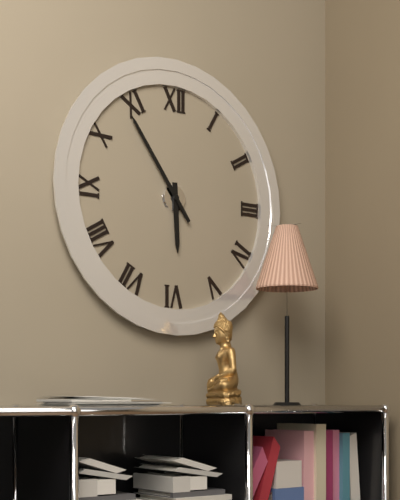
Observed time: 5:54
